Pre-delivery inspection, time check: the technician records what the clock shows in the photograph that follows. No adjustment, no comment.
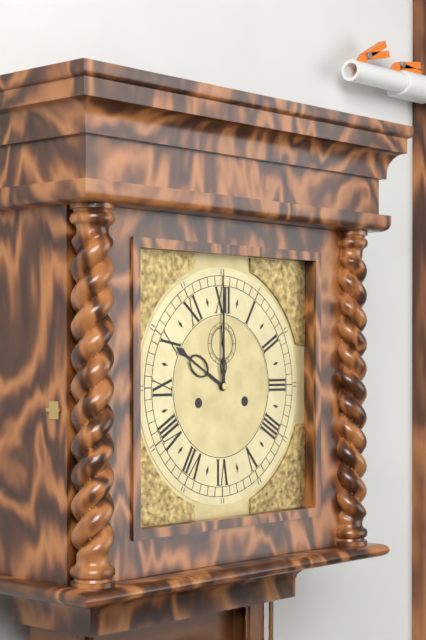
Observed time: 10:00
